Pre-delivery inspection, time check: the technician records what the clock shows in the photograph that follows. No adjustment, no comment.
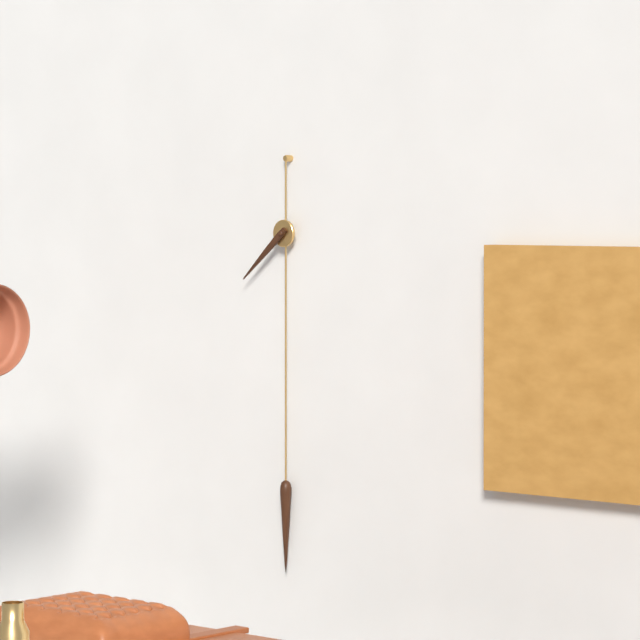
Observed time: 7:38
